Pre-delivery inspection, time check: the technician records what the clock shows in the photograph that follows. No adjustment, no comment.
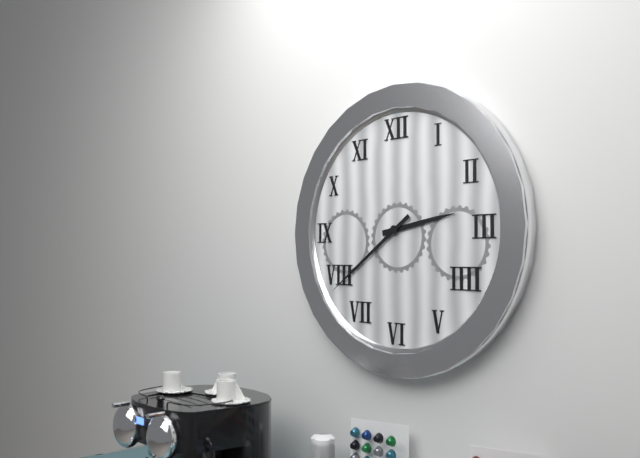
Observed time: 2:39
